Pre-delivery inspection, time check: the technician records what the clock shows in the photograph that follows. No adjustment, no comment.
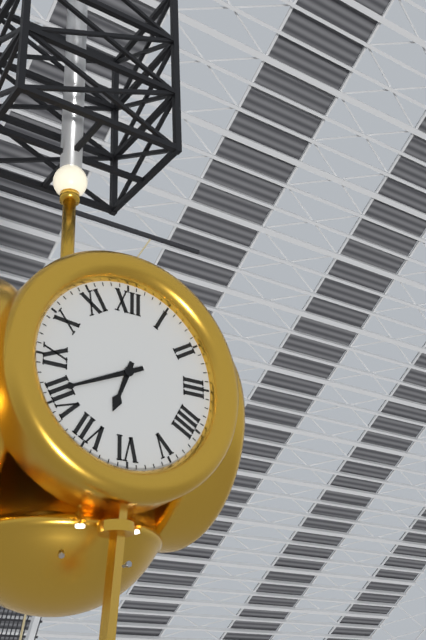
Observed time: 6:41
